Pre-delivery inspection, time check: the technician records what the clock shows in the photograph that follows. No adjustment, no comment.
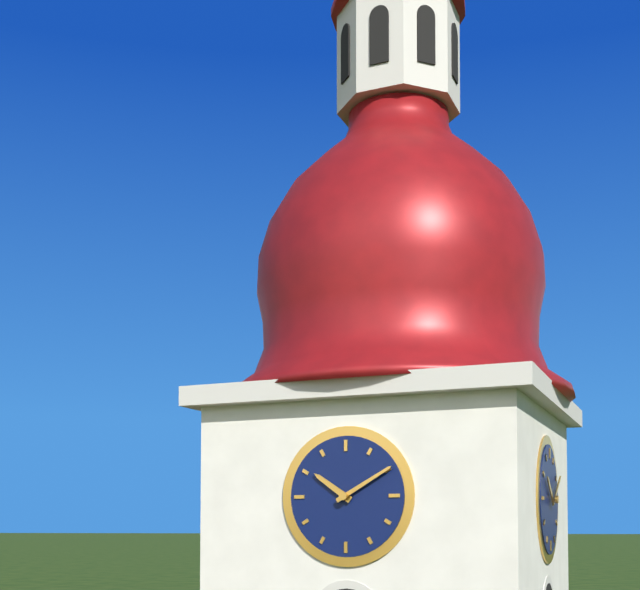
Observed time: 10:10
